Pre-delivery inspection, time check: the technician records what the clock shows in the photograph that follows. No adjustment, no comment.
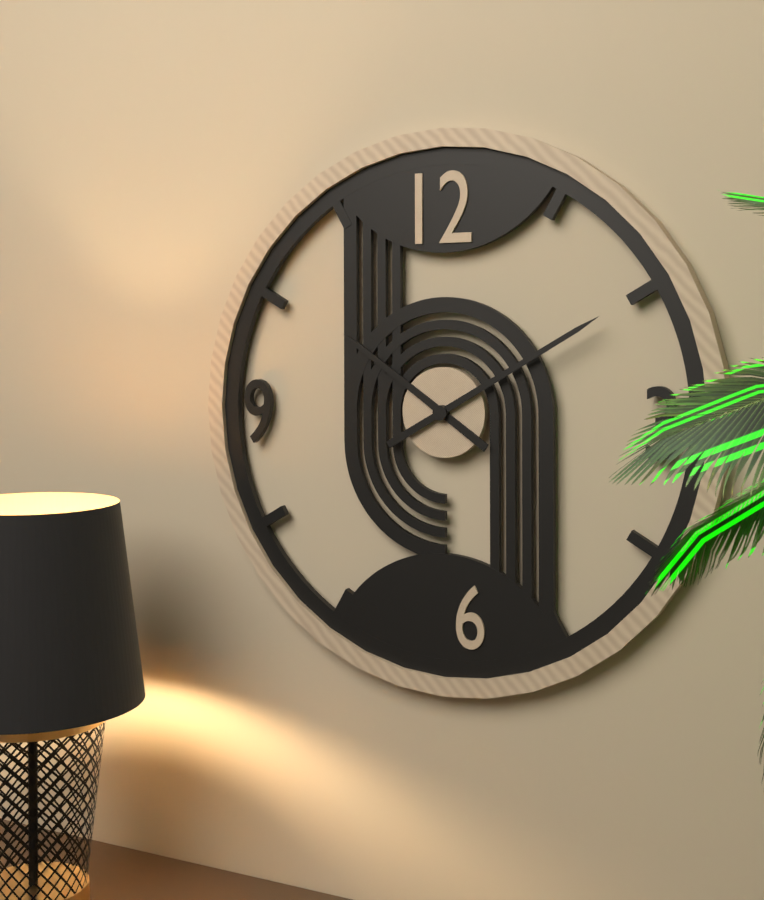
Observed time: 10:10
